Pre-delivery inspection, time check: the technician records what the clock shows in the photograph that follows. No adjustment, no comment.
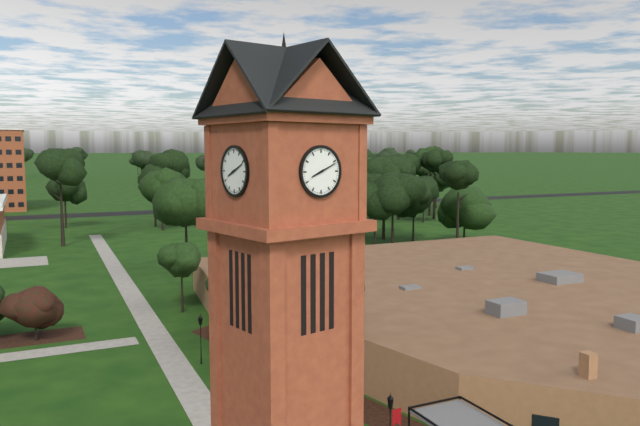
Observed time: 8:11
